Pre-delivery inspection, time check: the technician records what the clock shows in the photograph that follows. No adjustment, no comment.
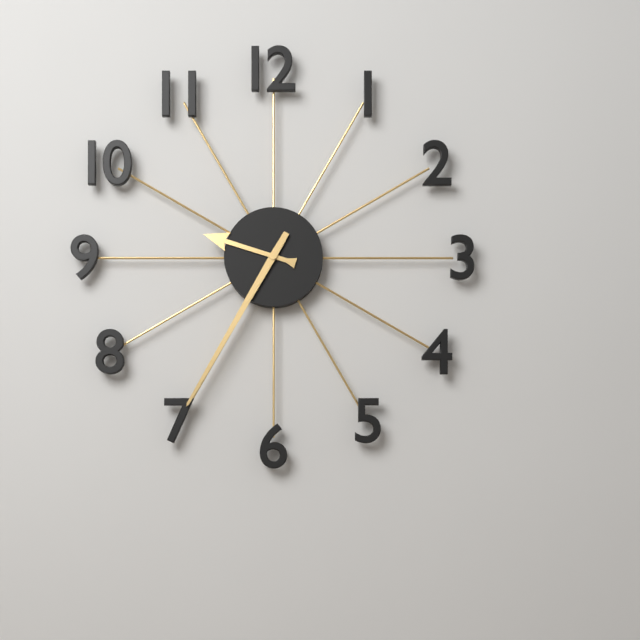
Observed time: 9:35
